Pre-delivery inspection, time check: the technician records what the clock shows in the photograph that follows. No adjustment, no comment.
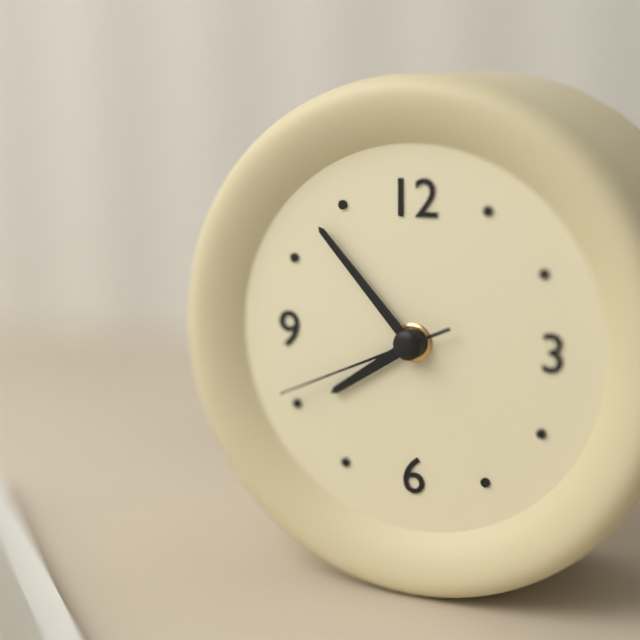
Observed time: 7:53:41
